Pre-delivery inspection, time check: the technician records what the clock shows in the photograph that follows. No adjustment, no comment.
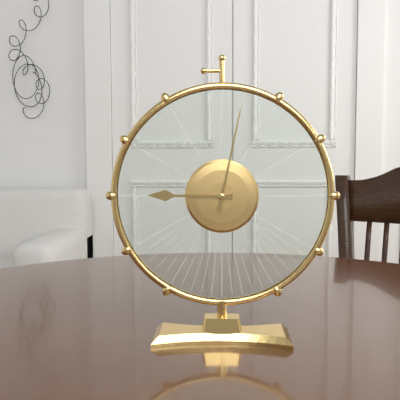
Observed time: 9:02
